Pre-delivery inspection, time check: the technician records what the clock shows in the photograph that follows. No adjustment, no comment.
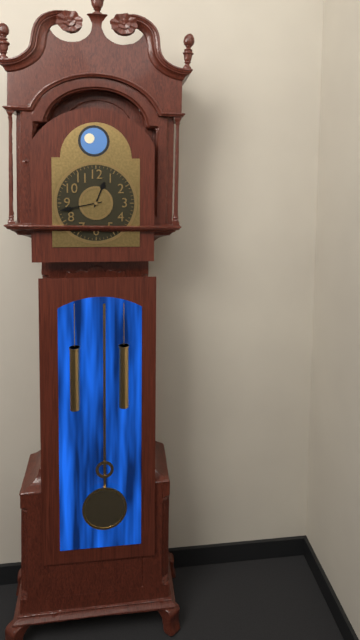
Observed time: 12:43
